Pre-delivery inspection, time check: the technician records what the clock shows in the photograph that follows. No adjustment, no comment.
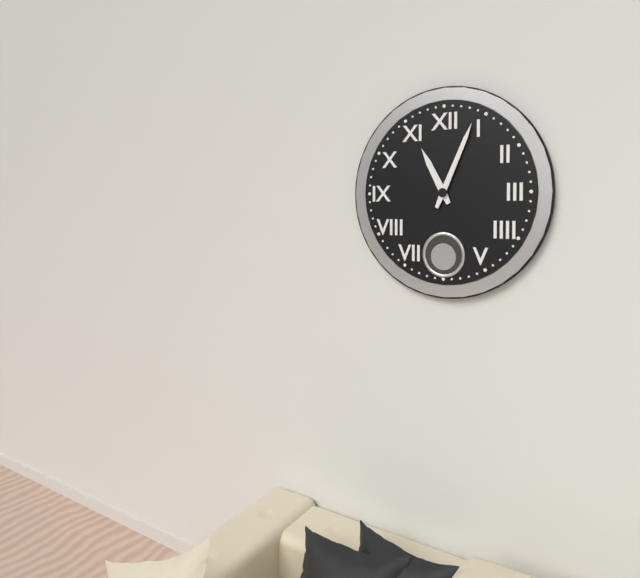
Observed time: 11:04
